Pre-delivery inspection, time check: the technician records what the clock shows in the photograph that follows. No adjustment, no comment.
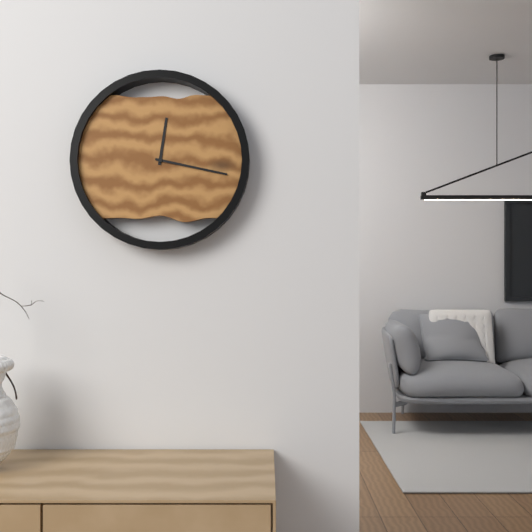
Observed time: 12:17
